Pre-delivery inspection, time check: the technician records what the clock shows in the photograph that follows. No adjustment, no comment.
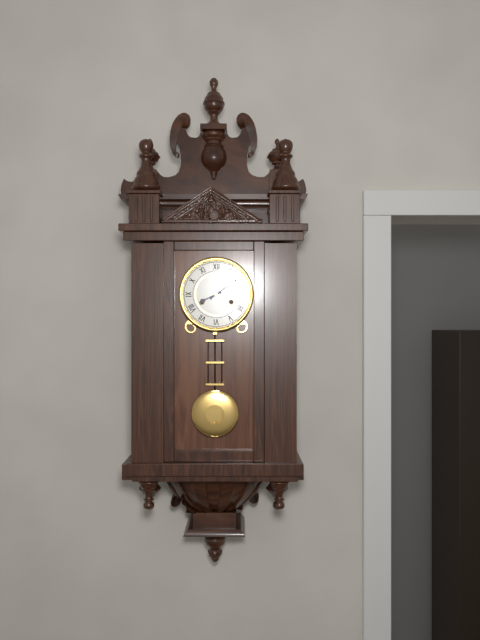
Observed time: 8:09
